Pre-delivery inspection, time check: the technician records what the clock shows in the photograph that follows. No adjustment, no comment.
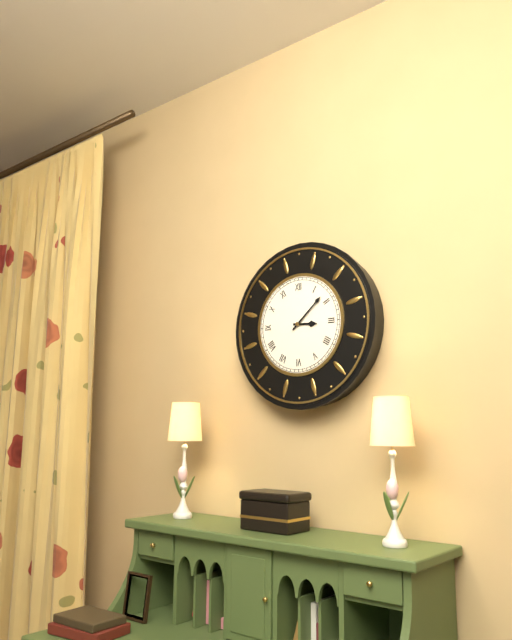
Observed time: 3:08
